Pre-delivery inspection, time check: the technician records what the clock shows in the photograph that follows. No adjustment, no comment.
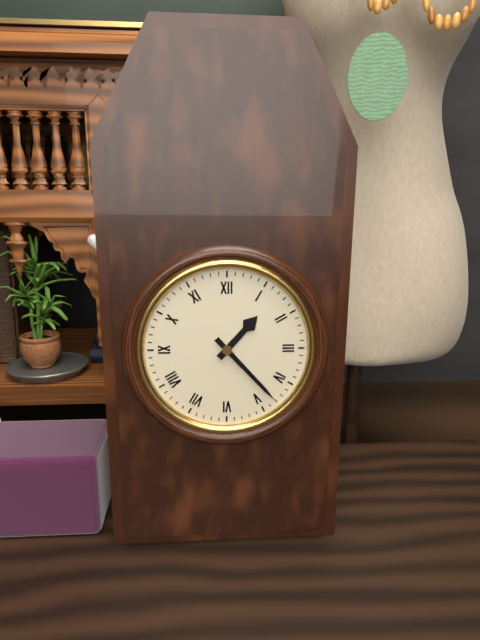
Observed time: 1:23
